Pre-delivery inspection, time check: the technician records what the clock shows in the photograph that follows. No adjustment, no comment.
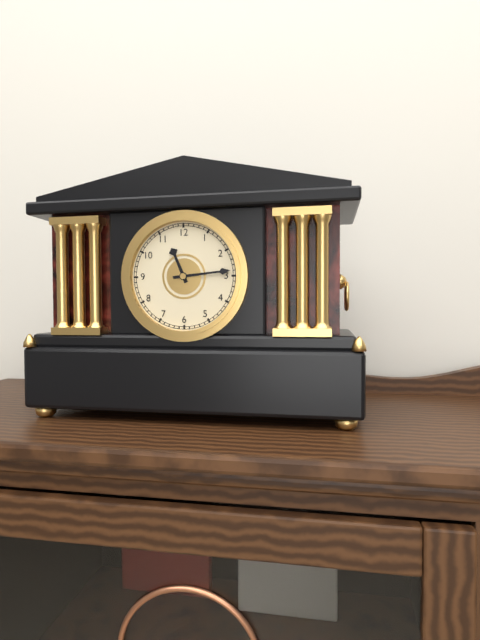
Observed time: 11:14
